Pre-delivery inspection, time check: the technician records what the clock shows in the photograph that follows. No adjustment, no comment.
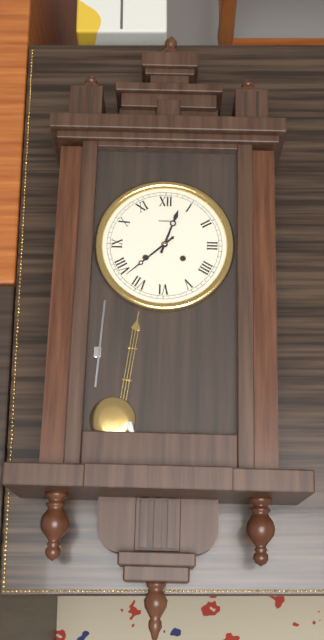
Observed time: 12:38
